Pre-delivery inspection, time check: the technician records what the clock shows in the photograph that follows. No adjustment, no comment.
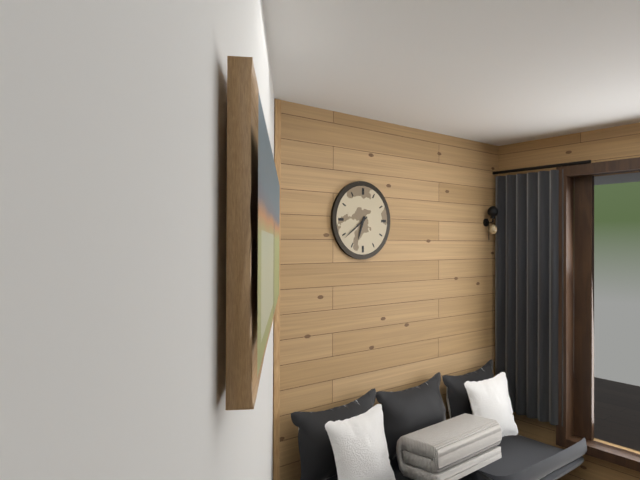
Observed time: 6:39
